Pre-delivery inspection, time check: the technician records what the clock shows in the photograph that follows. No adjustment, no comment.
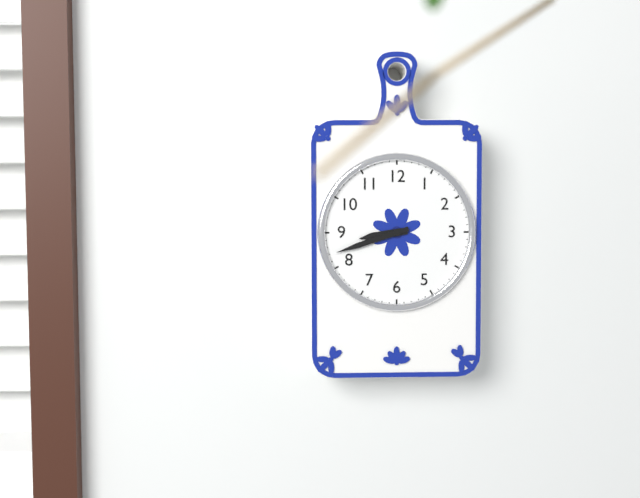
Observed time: 8:42
